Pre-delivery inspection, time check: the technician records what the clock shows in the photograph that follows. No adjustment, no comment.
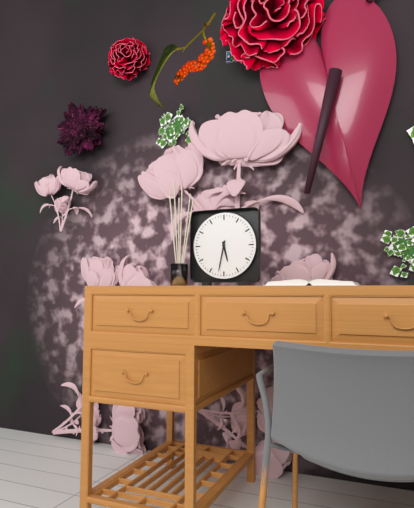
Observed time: 5:32
